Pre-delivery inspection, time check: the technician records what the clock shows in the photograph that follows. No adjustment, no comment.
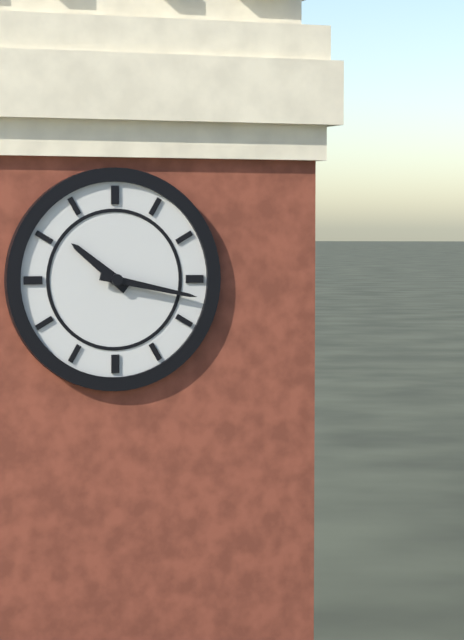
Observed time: 10:17
